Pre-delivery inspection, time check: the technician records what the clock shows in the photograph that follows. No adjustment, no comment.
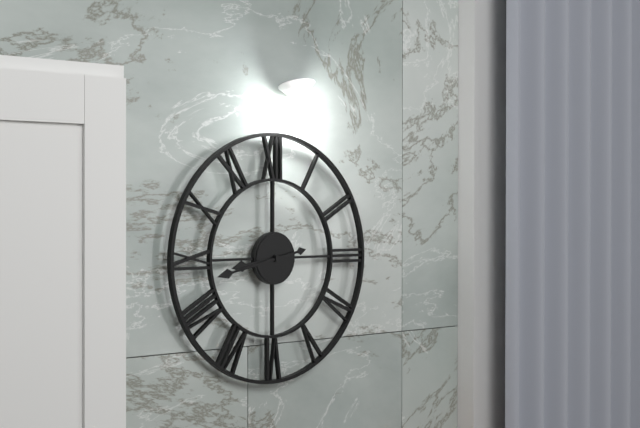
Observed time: 8:43
